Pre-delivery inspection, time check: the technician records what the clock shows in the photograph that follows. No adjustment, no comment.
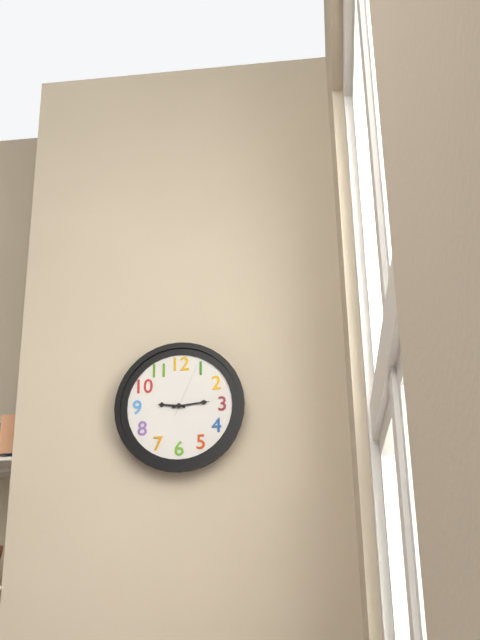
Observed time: 9:14:04
